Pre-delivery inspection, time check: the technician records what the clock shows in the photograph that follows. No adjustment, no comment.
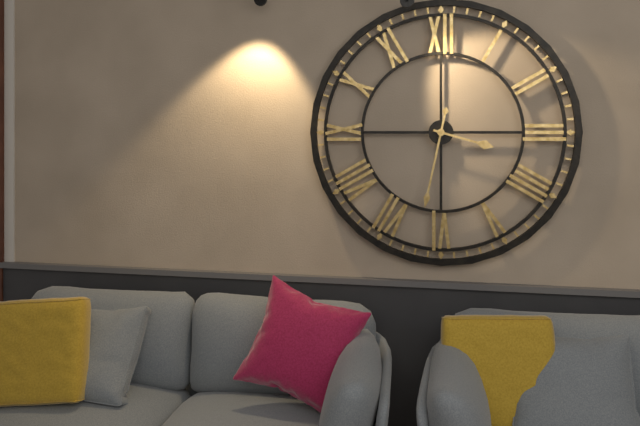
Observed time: 3:32
